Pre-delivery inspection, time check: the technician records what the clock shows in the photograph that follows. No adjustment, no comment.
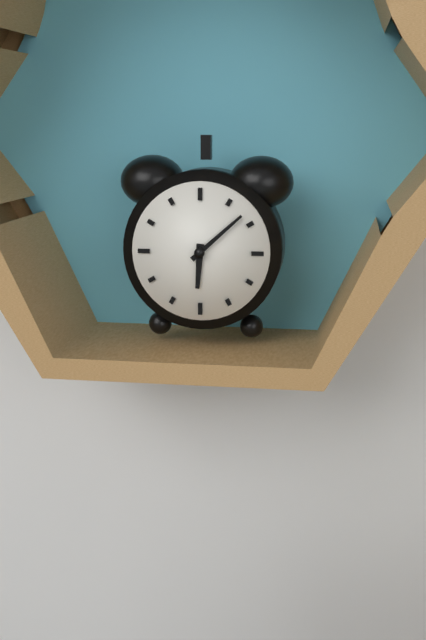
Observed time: 6:08
